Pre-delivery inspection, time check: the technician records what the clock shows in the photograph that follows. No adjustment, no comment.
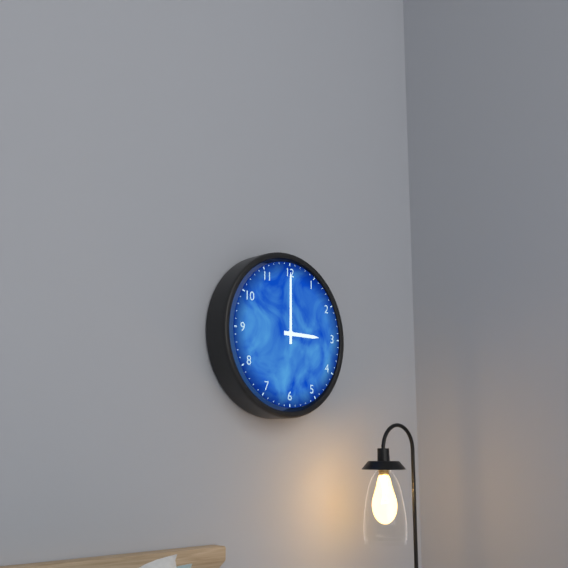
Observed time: 3:00
